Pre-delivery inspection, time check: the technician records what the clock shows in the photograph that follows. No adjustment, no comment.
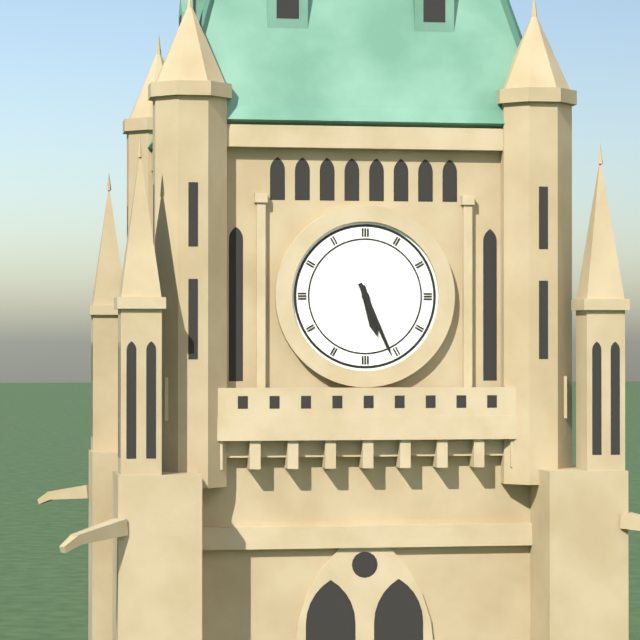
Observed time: 5:26
